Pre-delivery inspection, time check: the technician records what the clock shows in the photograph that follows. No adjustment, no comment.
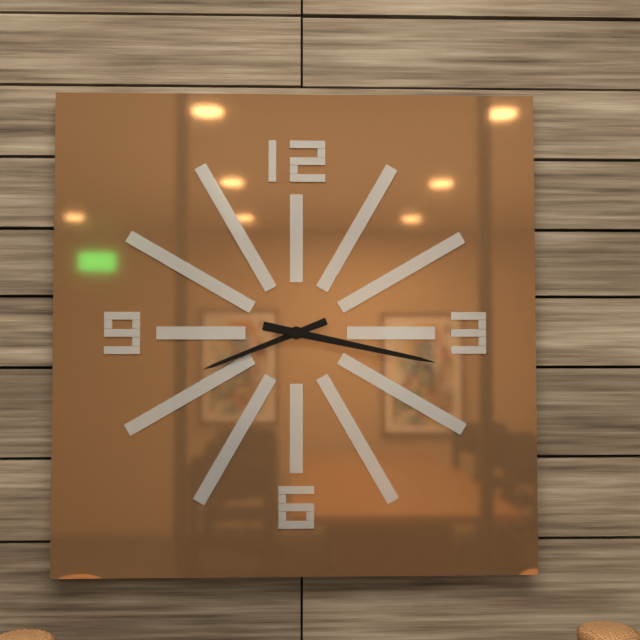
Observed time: 8:17
